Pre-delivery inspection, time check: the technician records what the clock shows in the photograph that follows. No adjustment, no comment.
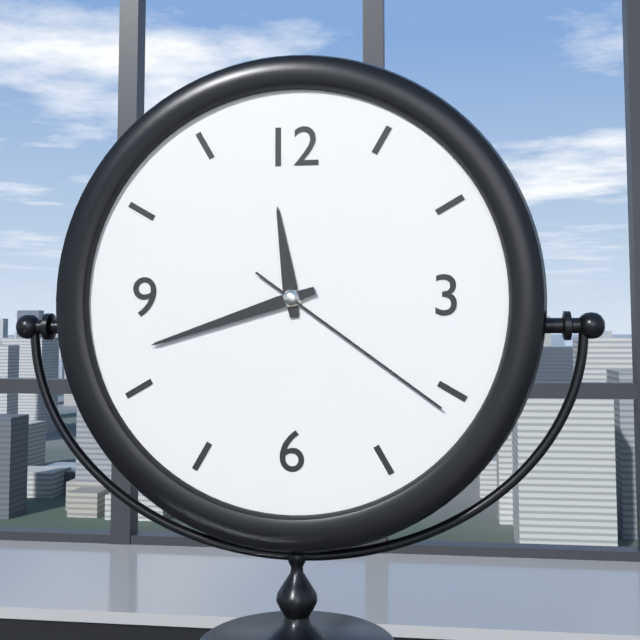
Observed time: 11:42:21
